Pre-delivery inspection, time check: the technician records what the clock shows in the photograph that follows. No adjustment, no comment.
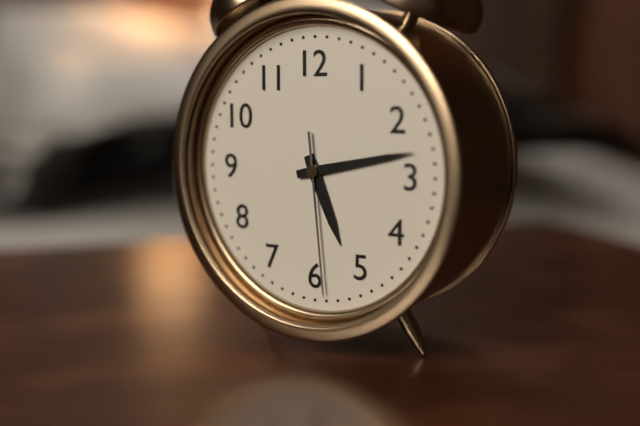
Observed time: 5:13:29
